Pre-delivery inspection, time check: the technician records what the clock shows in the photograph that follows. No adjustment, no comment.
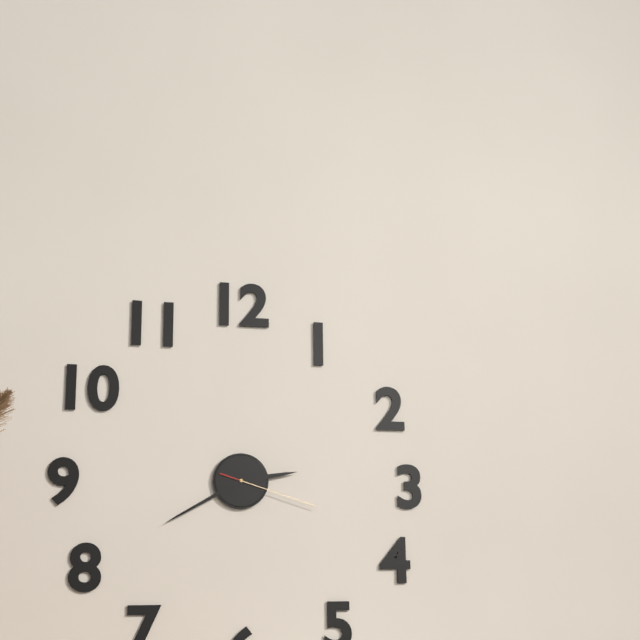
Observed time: 2:40:18
